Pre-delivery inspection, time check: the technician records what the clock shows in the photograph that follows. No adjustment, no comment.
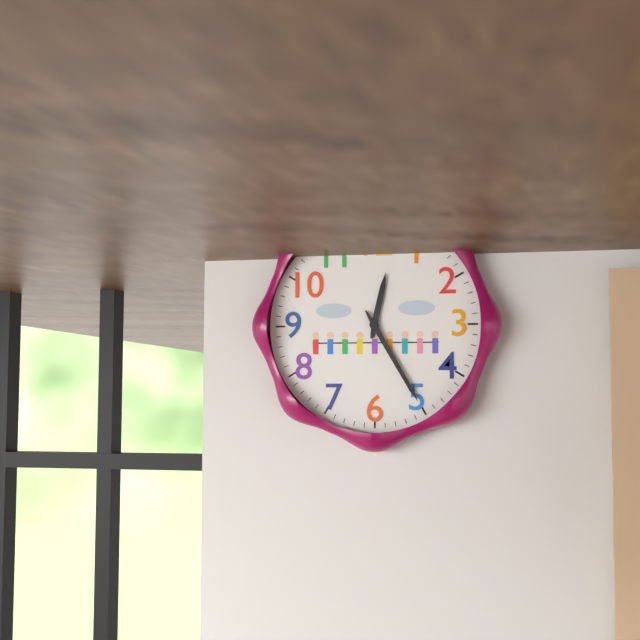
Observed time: 12:25
